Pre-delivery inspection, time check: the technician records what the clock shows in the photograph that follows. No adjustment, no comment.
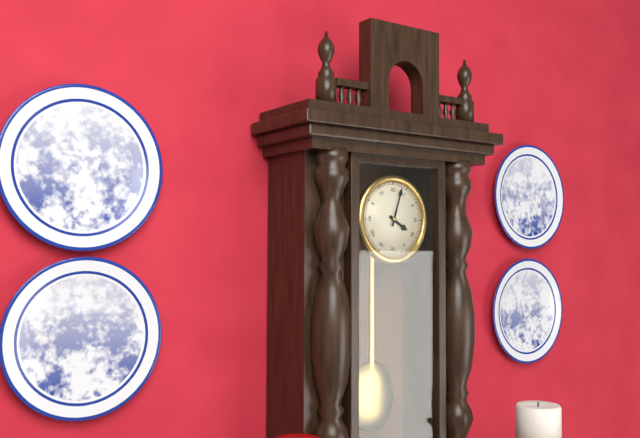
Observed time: 4:03
